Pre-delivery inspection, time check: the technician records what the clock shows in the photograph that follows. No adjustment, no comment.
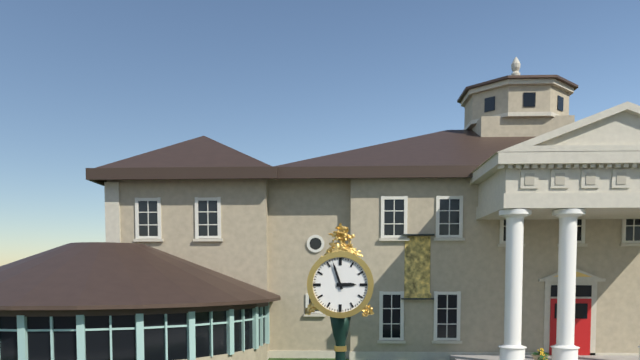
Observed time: 2:57
